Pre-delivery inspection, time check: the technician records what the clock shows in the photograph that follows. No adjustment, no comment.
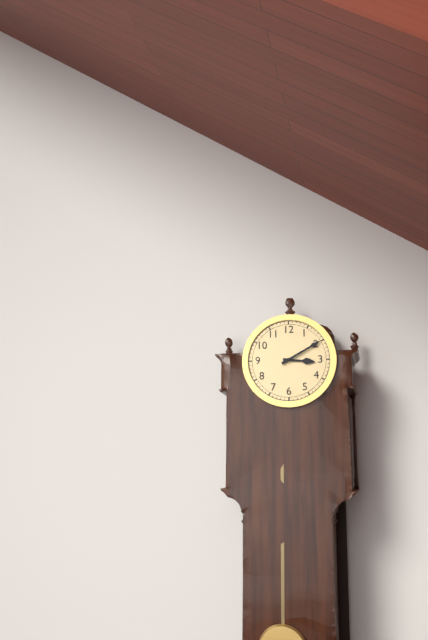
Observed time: 3:10
